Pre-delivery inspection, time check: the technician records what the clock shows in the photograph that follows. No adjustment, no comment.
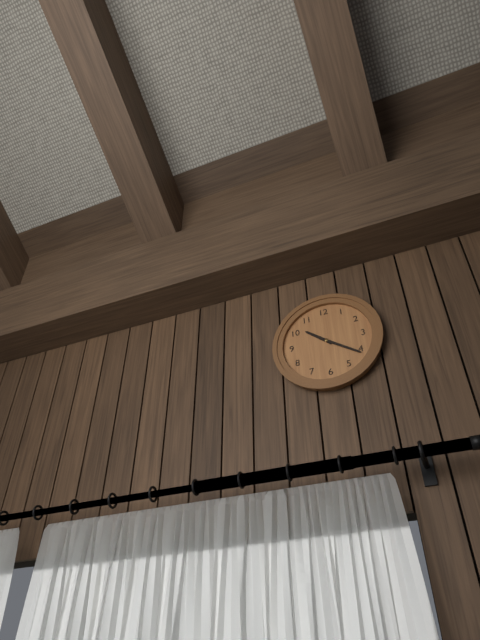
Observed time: 10:21
